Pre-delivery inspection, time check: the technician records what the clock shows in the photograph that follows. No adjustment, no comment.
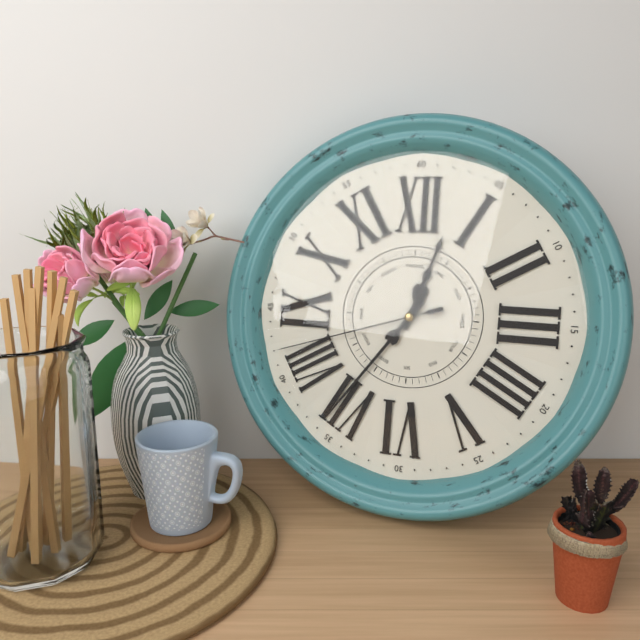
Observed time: 12:36:42
